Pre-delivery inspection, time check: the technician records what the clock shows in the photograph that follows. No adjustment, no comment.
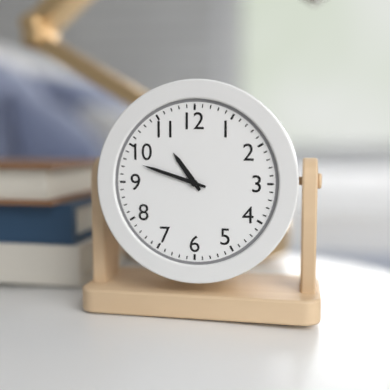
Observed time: 10:48
